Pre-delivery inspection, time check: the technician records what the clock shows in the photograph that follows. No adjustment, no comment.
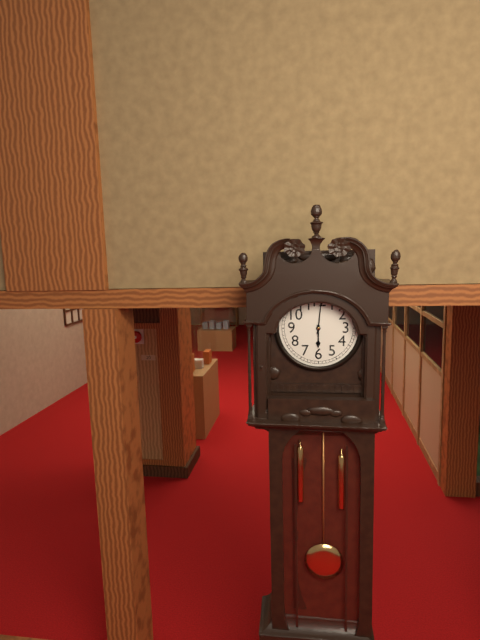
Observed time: 6:01
